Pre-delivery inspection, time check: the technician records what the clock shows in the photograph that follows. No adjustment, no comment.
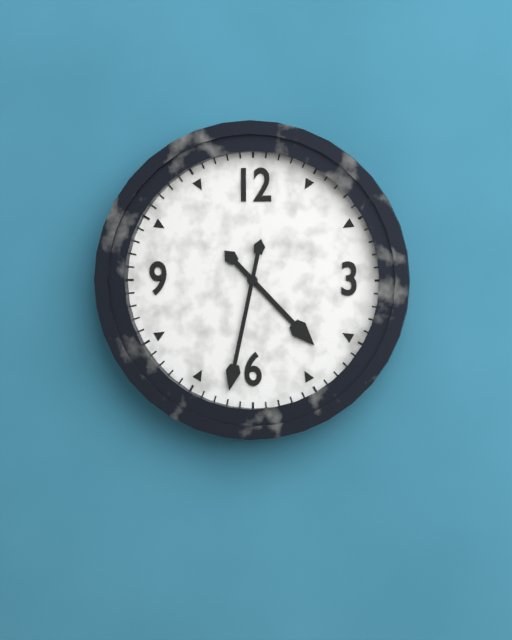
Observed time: 4:32
